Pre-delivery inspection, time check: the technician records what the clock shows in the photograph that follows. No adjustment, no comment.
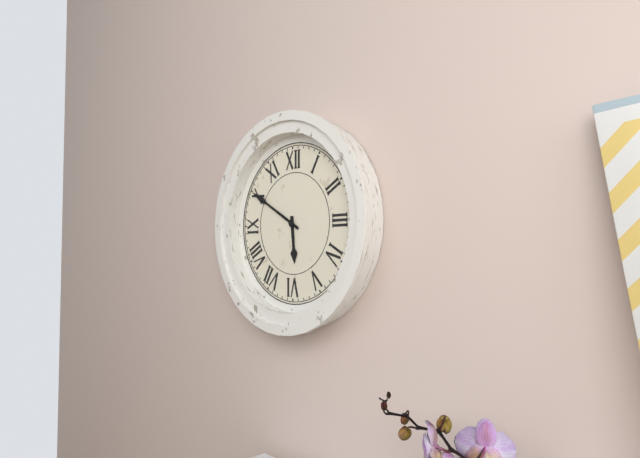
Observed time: 5:50
